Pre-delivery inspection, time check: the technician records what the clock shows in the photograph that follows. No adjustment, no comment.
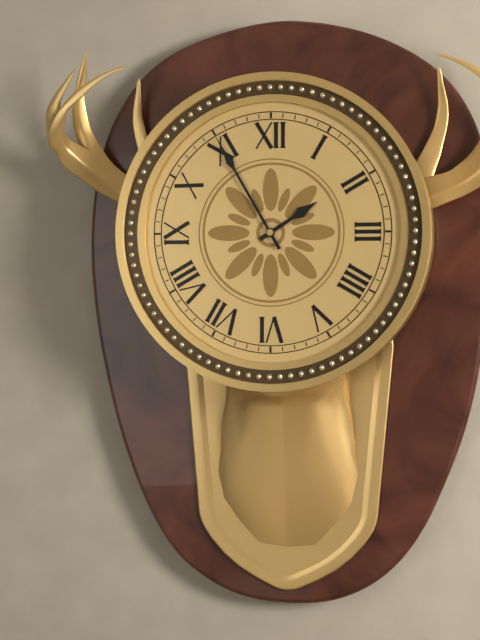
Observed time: 1:55
